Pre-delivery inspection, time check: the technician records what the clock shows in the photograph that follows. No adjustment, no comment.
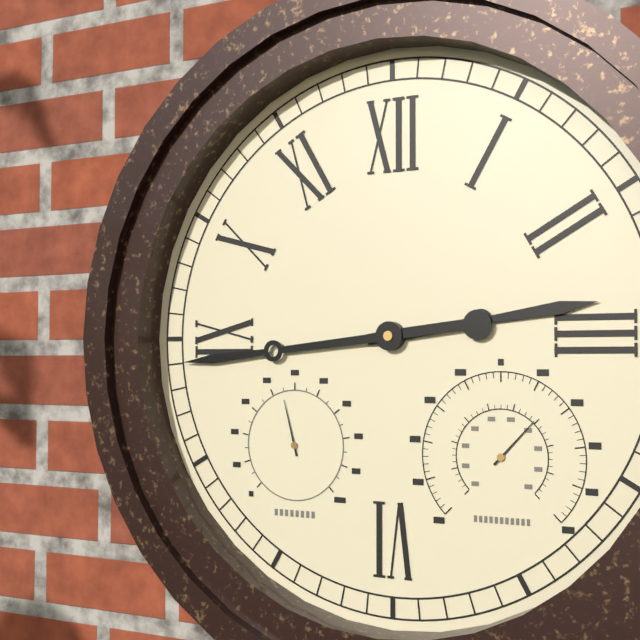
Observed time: 2:44
